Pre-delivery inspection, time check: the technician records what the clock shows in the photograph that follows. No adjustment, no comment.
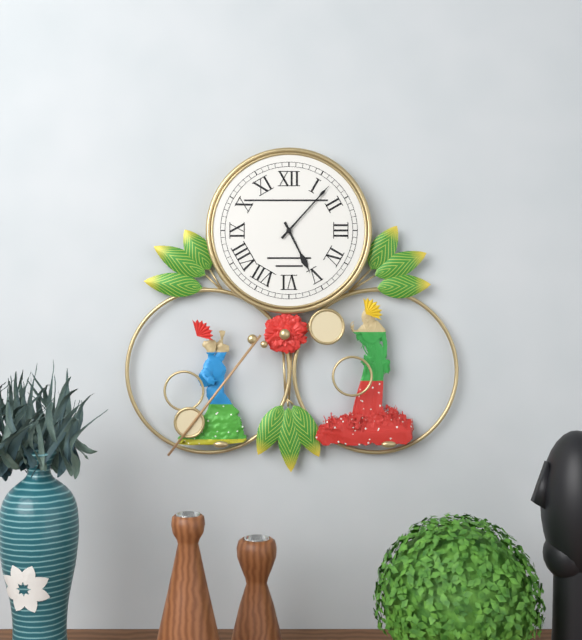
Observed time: 5:07
